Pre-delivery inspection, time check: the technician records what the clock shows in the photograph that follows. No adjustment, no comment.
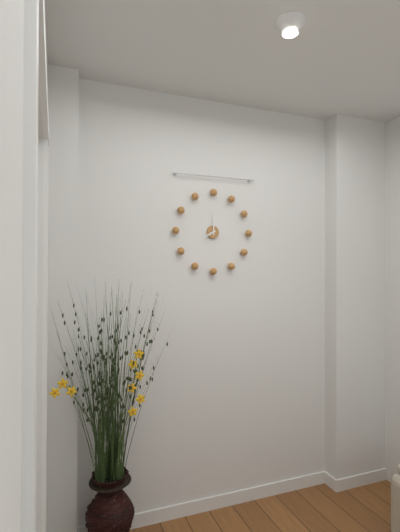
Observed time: 8:00
